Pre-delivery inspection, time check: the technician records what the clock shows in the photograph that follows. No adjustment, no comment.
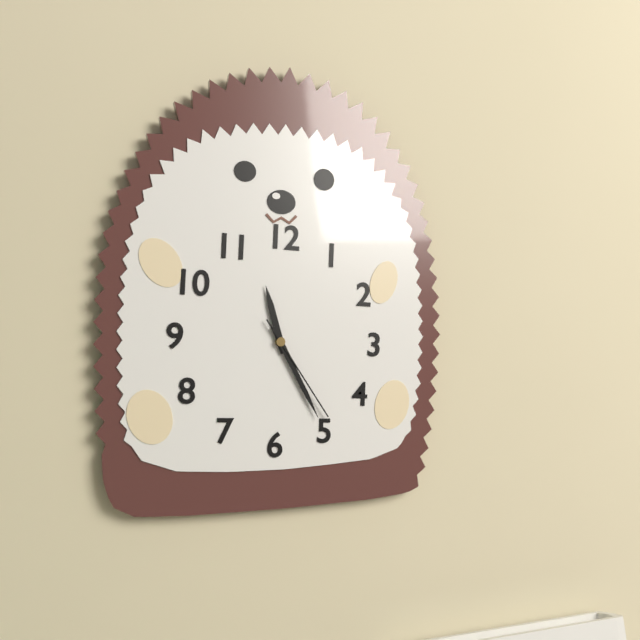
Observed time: 11:25:24
